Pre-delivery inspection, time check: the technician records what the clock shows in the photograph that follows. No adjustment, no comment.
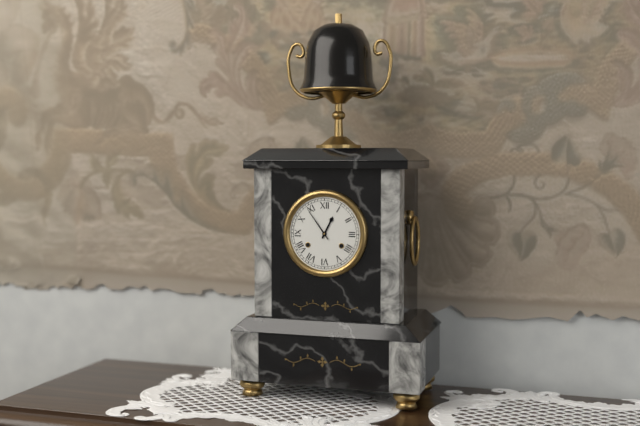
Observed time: 12:54
